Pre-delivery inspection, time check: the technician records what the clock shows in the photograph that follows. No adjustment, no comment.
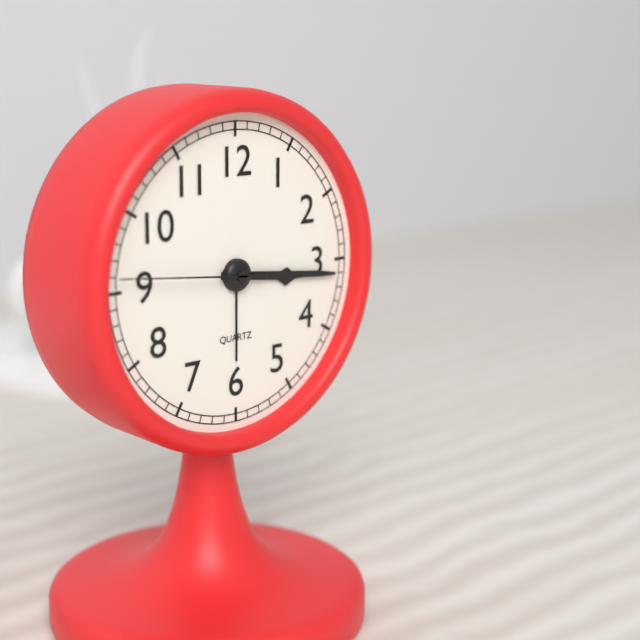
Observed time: 3:16:46
